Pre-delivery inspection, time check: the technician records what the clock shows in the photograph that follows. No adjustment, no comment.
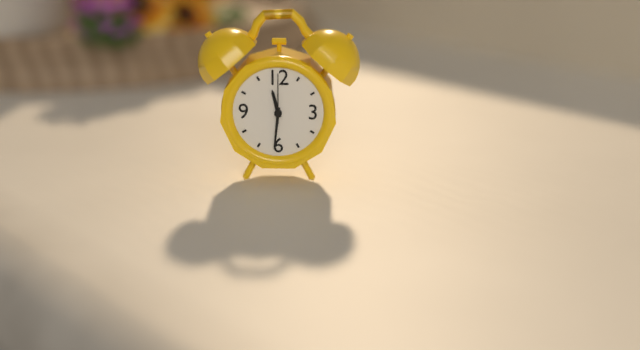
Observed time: 11:31:00
